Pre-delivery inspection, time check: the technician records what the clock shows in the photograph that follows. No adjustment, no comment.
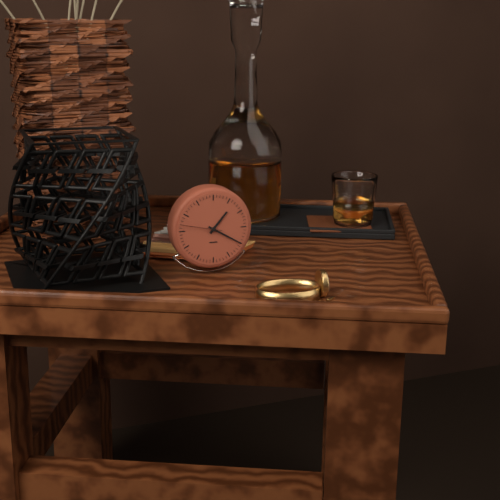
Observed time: 1:20
